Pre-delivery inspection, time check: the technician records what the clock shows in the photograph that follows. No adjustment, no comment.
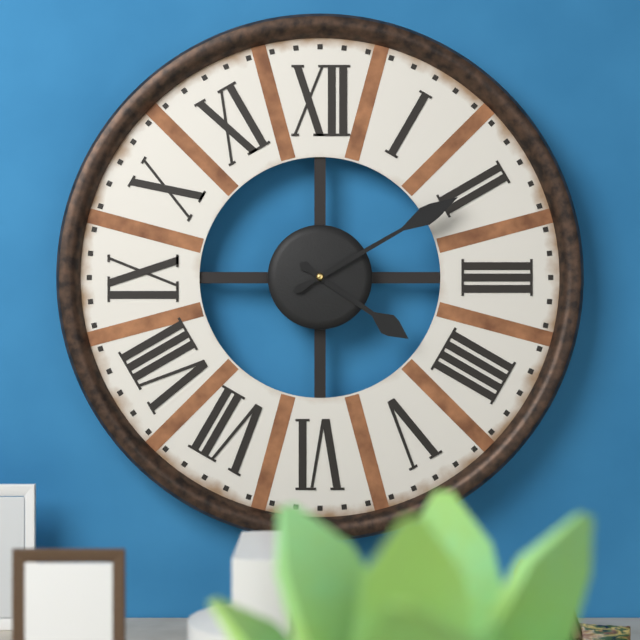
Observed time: 4:10
